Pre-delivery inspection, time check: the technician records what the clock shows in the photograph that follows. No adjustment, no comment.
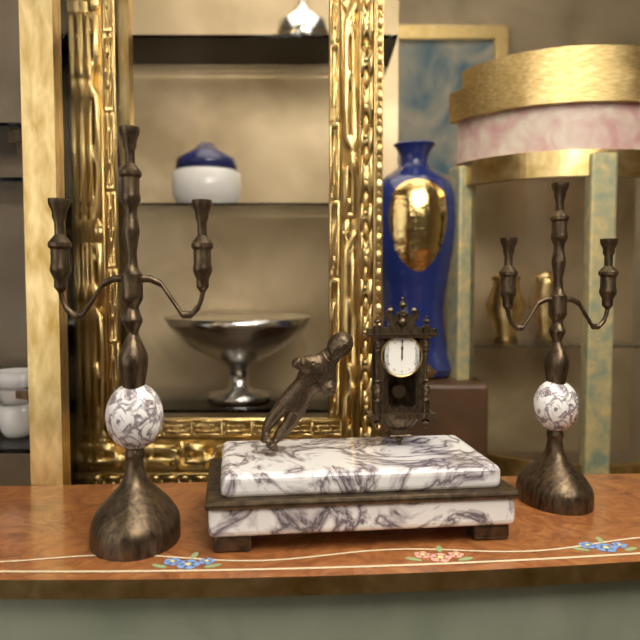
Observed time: 12:00
